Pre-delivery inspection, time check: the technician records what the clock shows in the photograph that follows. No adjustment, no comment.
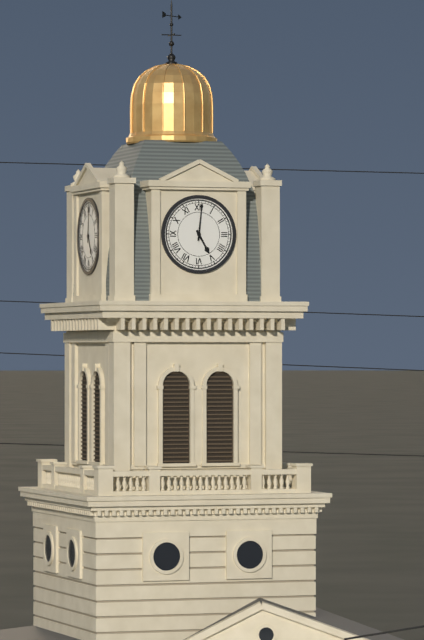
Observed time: 5:01
